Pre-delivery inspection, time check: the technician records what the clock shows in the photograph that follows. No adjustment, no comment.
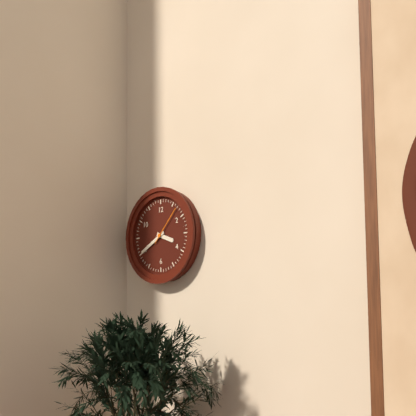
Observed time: 3:40
